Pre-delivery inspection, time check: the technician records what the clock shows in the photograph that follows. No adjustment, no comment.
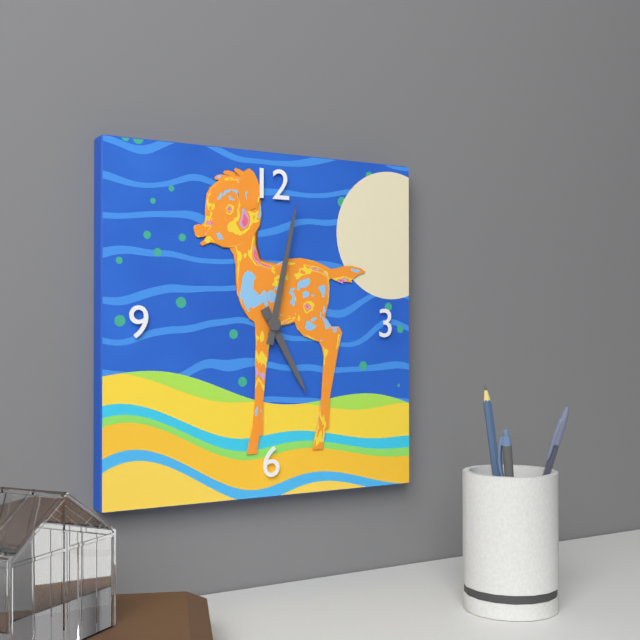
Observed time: 5:02
